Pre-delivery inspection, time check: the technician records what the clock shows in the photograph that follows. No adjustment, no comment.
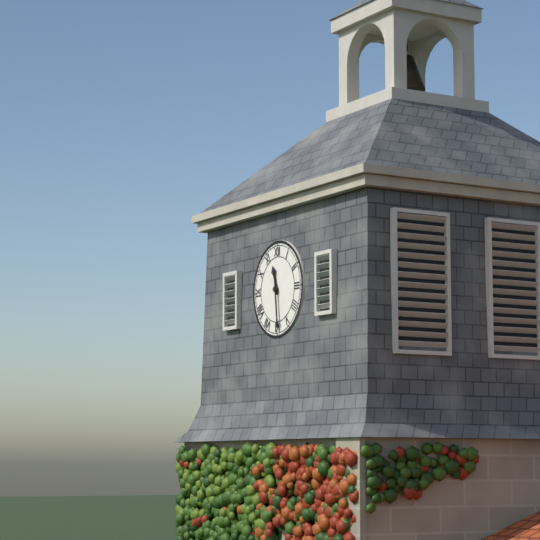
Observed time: 11:29
